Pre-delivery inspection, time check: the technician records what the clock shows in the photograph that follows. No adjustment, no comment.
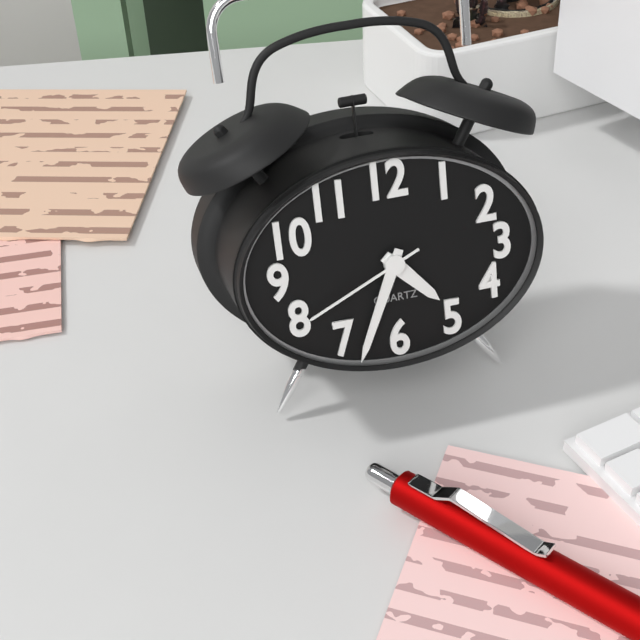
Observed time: 4:34:41
